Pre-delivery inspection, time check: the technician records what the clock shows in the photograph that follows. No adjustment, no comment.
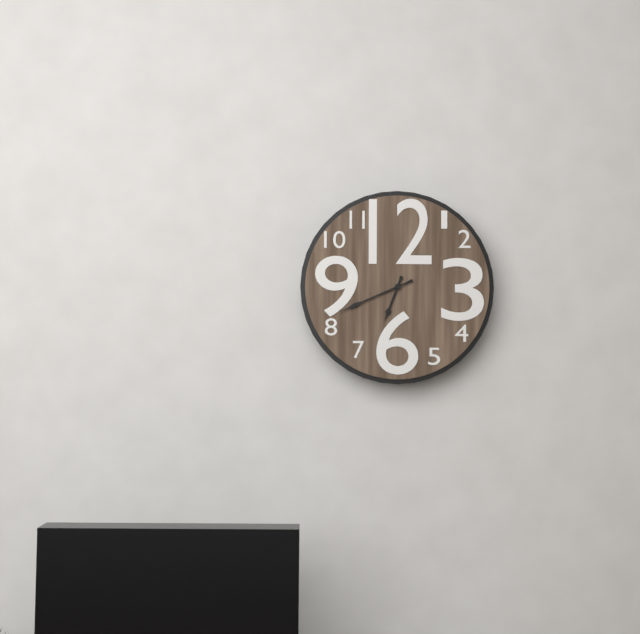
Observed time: 6:41
